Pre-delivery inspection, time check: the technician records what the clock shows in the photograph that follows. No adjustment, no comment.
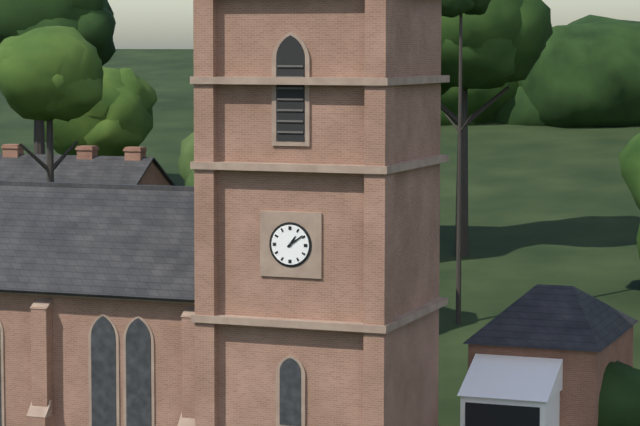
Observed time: 1:09
